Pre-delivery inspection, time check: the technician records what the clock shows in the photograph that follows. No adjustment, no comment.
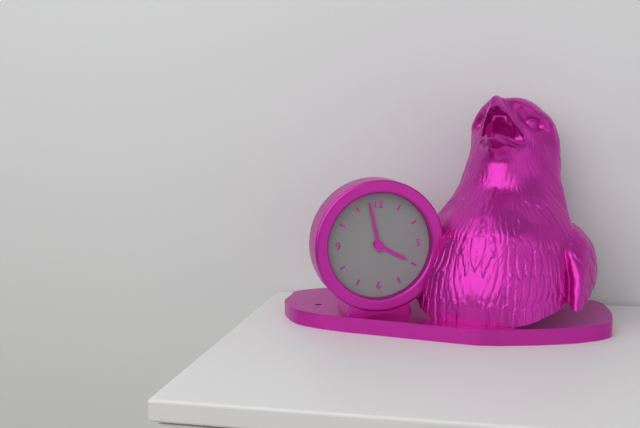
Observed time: 3:58
